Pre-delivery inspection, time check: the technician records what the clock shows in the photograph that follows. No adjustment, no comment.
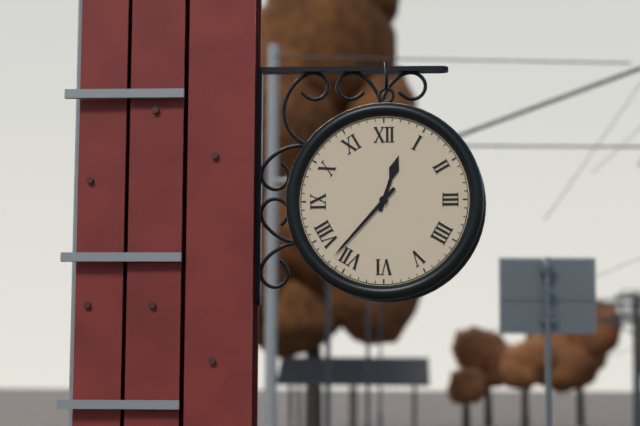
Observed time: 12:37
